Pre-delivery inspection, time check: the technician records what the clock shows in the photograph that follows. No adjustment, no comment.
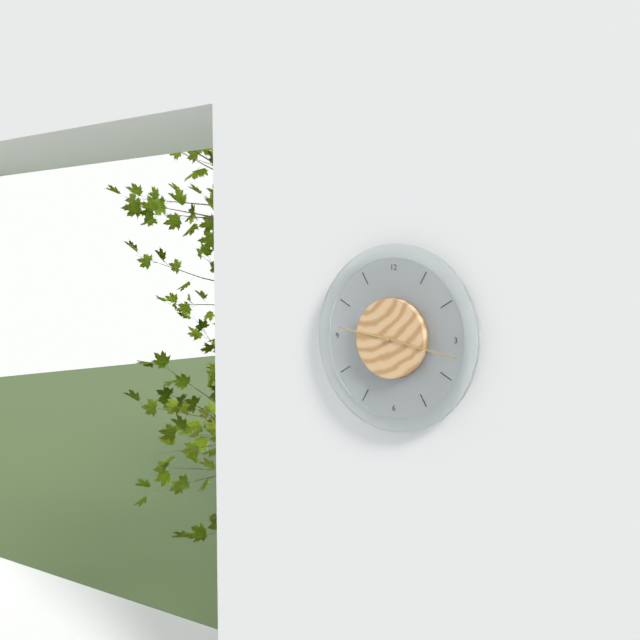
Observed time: 9:17
